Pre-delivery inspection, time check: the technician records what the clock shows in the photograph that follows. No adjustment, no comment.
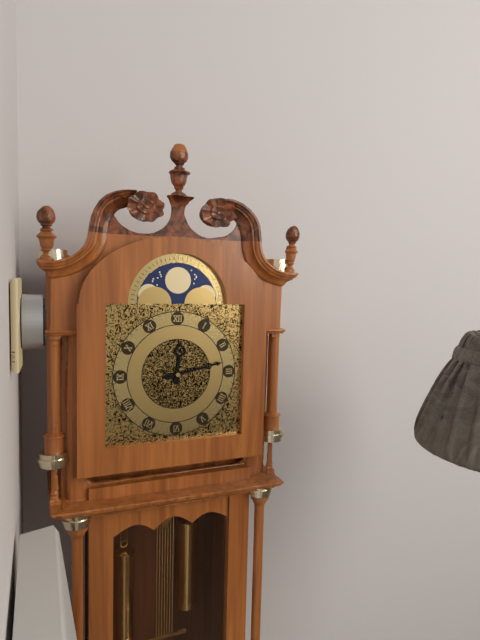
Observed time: 12:13
